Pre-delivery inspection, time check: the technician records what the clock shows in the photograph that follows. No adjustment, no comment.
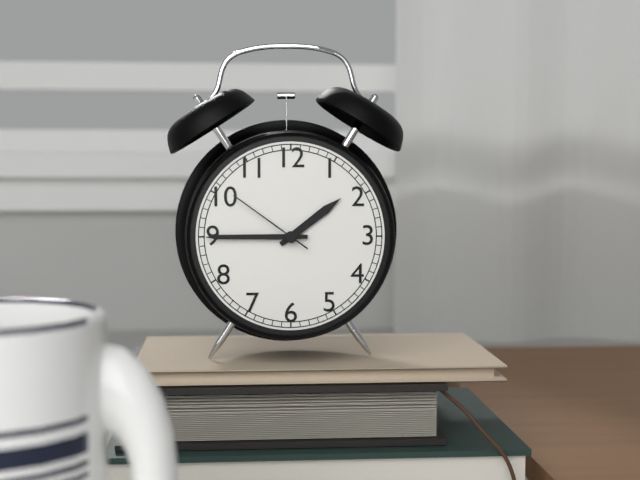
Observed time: 1:45:51
